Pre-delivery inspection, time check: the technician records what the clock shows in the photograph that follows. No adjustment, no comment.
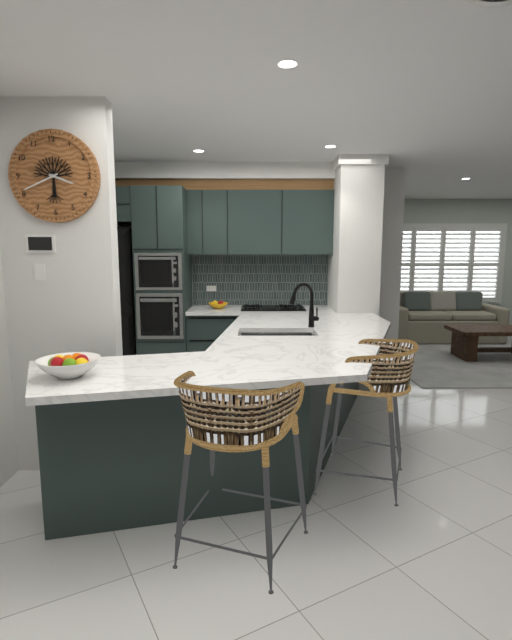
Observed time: 3:41
